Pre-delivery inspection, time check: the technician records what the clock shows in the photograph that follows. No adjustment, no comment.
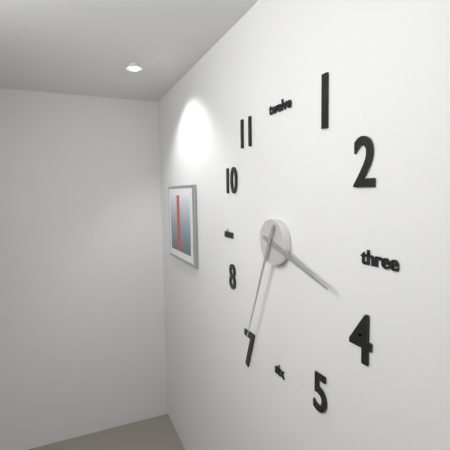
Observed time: 3:34
